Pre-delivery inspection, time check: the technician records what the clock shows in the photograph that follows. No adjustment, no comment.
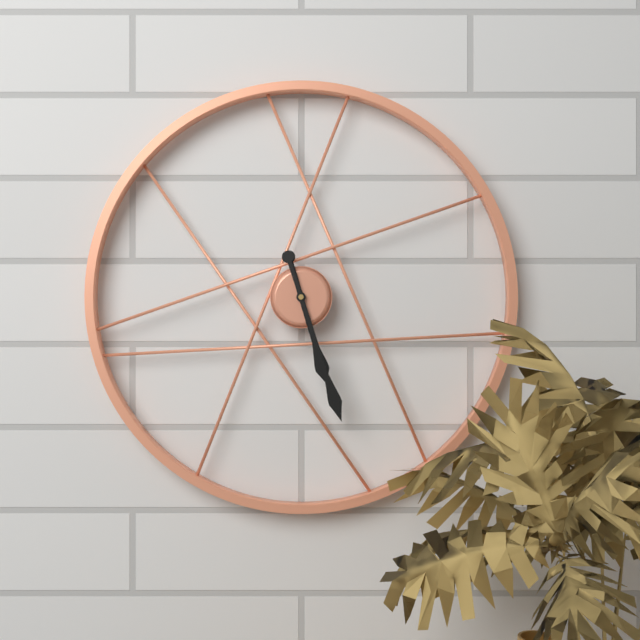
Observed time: 5:27
